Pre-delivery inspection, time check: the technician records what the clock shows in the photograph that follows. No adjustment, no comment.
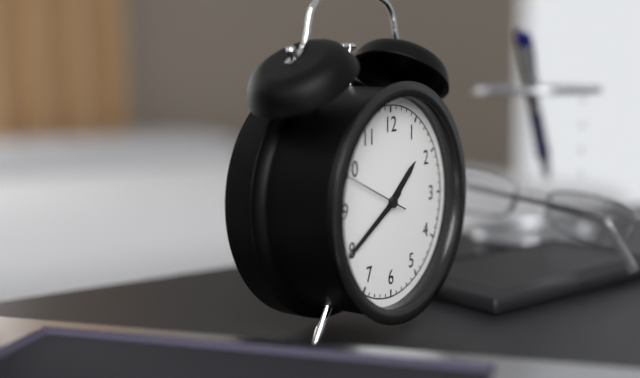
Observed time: 1:40:49
